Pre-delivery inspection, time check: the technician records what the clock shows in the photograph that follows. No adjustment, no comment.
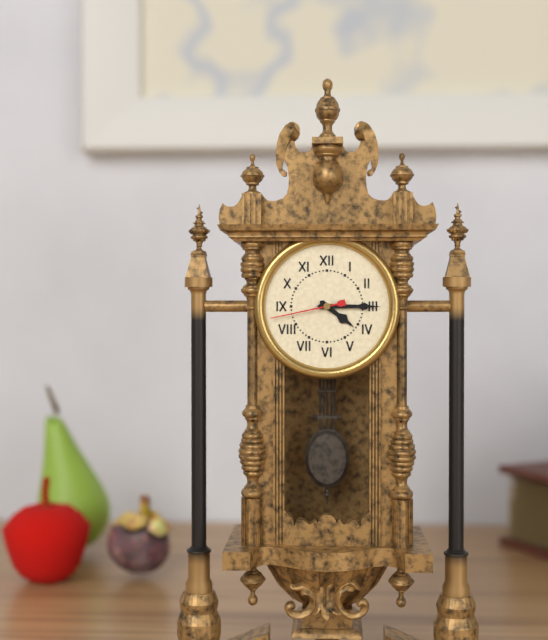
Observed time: 4:15:43
